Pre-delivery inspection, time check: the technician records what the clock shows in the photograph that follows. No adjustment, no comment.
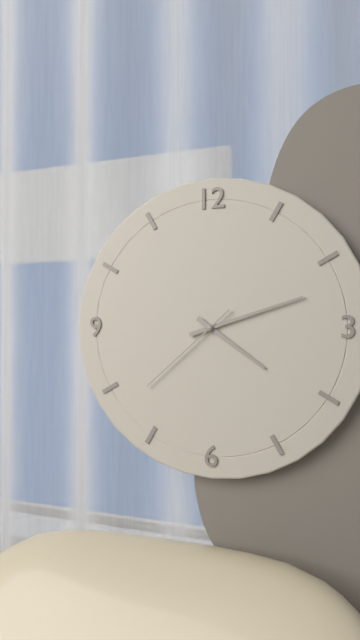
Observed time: 4:12:38
